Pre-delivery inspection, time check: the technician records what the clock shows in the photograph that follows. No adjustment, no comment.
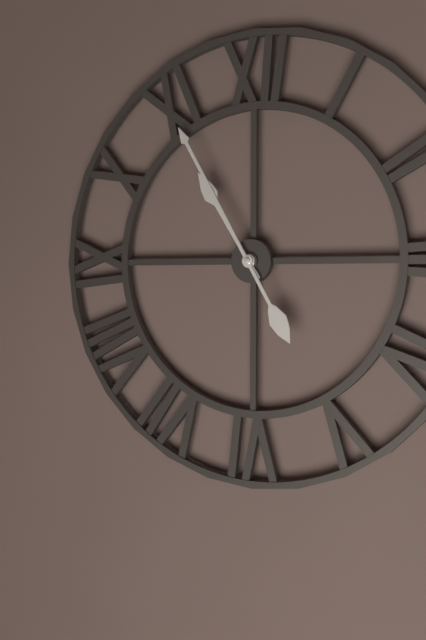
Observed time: 10:55
